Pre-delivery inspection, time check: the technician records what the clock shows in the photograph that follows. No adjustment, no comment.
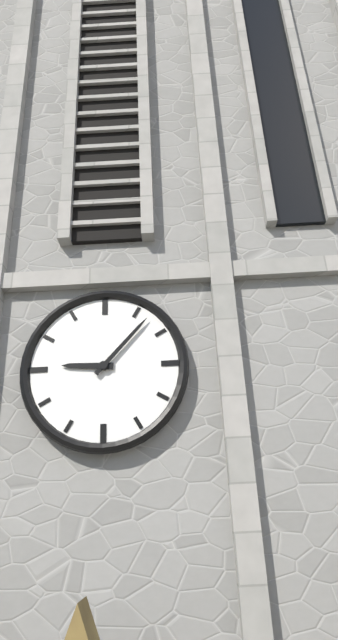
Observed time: 9:07
